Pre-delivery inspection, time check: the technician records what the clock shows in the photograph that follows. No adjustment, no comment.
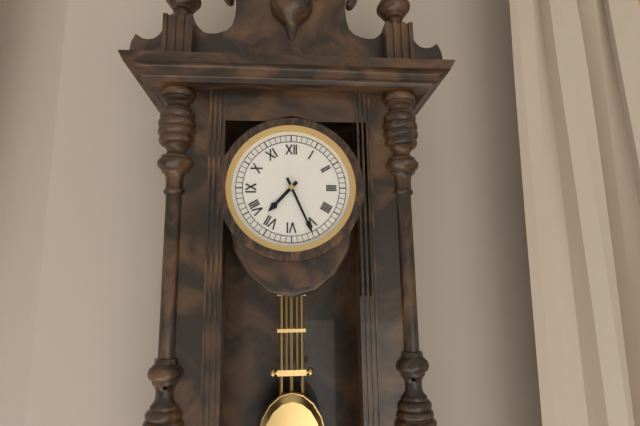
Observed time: 7:26
